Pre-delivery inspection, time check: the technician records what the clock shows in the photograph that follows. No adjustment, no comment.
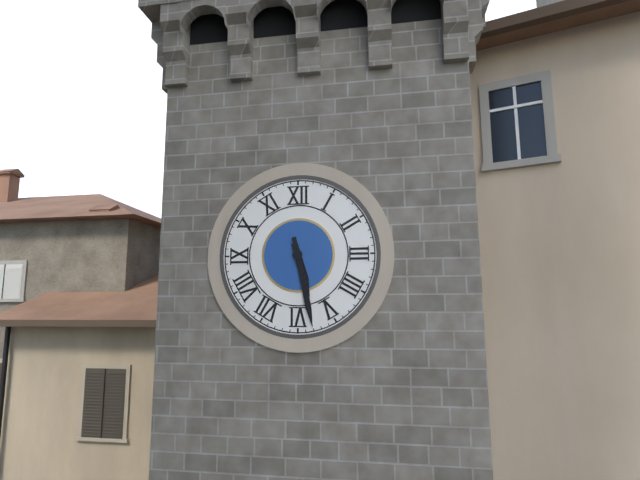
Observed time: 5:28
